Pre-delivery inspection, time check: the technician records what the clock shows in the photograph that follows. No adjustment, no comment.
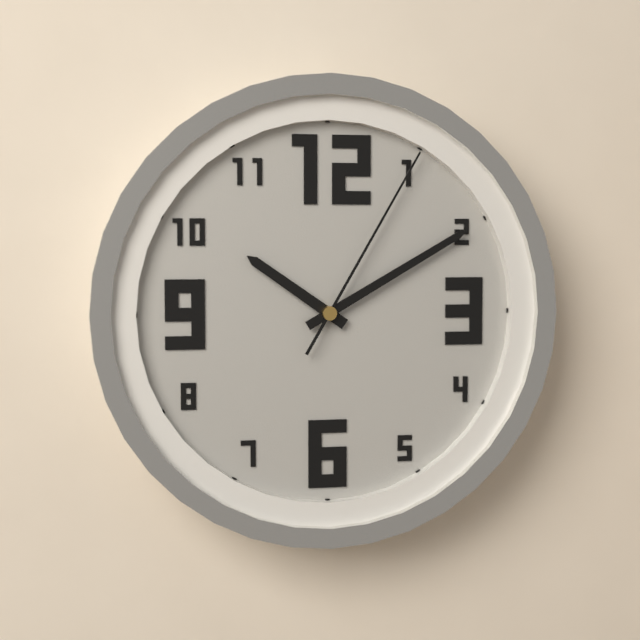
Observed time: 10:10:05
